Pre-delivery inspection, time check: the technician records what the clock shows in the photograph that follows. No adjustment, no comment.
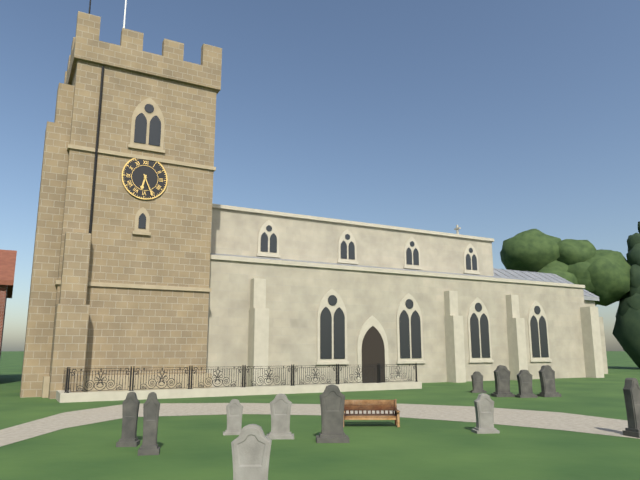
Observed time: 6:26
